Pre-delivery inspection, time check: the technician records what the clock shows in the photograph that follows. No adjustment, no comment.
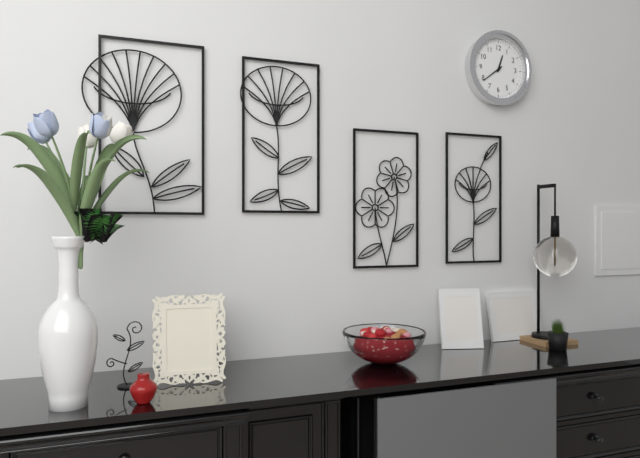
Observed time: 12:39
